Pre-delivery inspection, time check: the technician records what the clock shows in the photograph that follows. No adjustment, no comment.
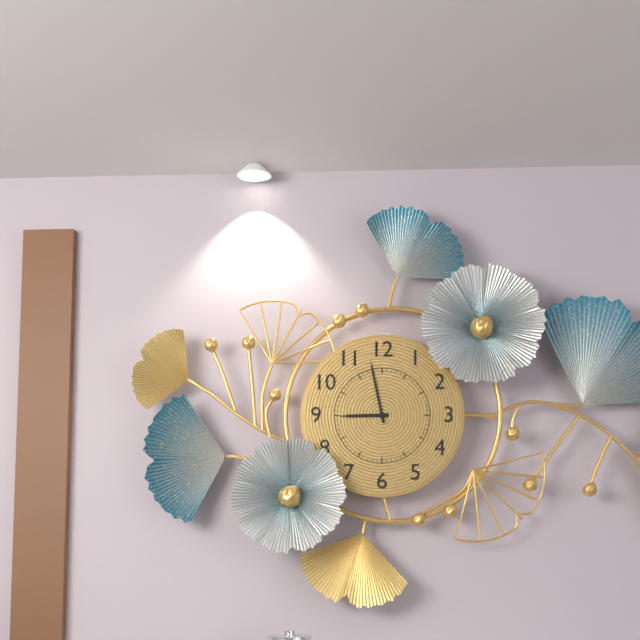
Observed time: 8:58
